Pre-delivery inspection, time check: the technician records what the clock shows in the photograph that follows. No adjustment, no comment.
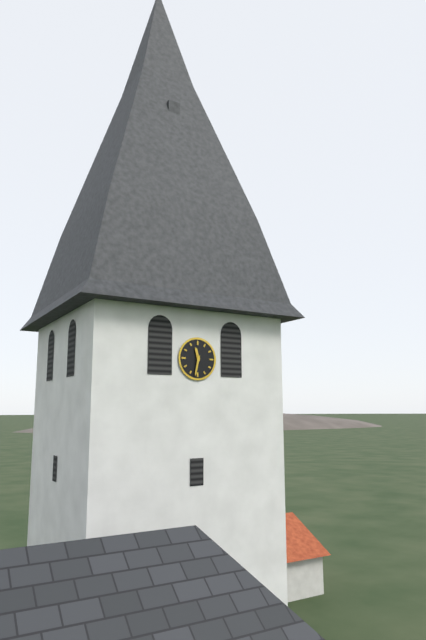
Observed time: 11:32
